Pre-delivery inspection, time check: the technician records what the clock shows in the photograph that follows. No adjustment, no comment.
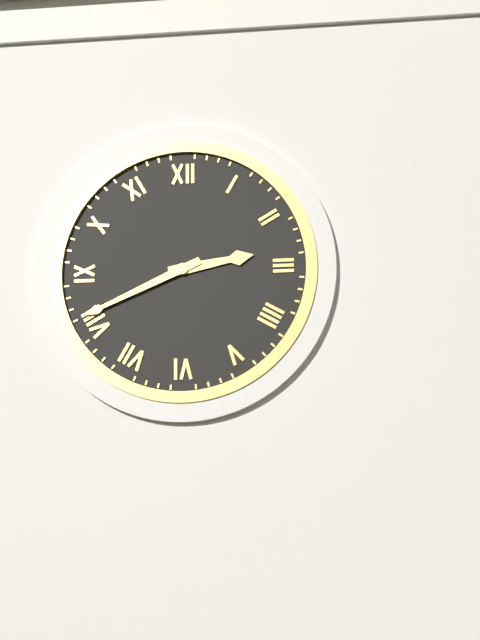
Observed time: 2:41
